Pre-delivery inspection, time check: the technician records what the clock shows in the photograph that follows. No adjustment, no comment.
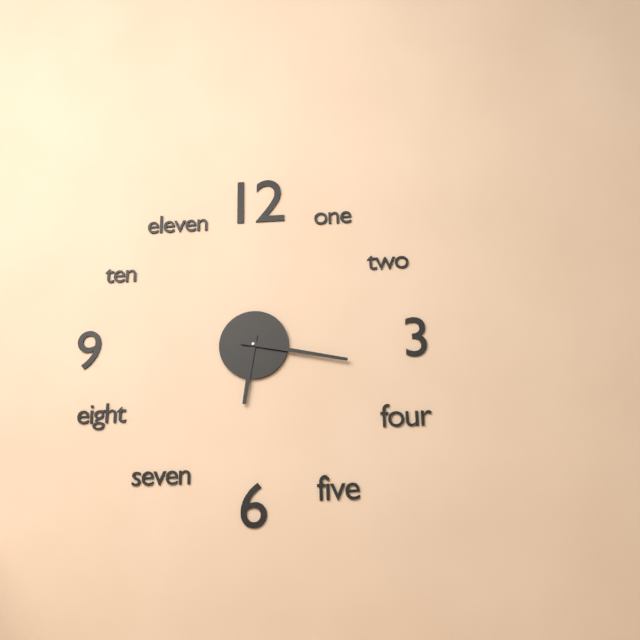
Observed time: 6:17
